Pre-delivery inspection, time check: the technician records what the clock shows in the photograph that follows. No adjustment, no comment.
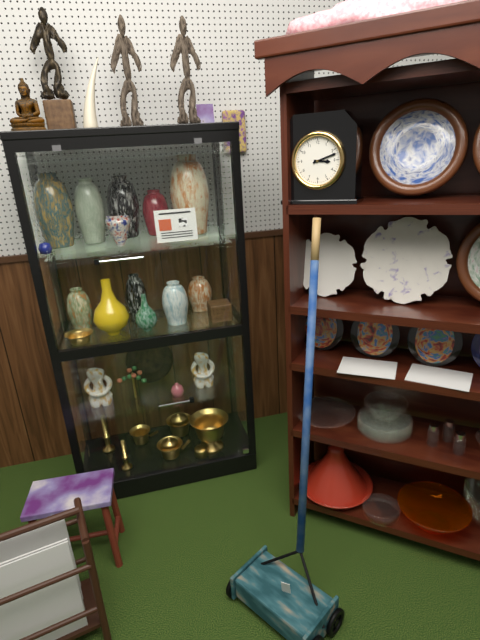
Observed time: 3:12
